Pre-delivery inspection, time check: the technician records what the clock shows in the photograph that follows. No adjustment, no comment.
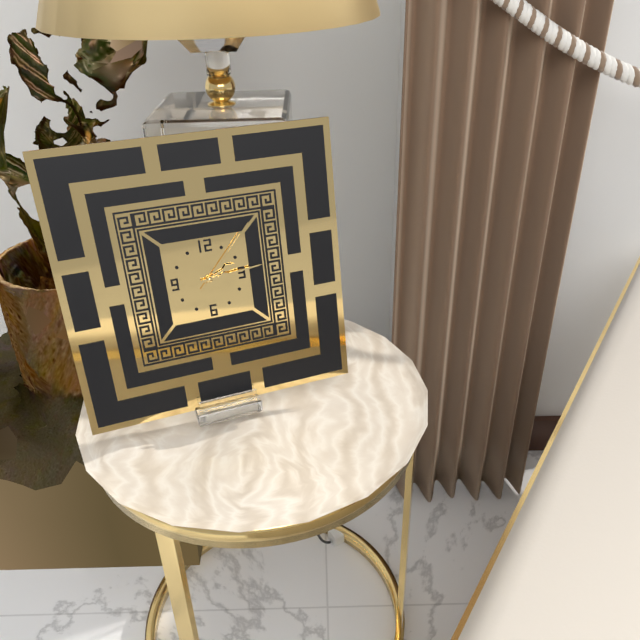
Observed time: 2:14:07
